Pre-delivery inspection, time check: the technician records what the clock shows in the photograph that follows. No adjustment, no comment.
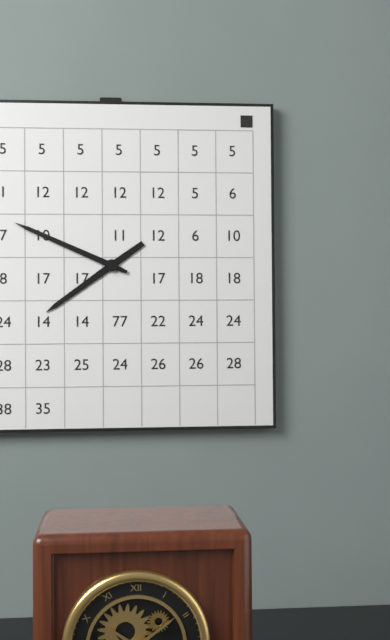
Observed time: 7:49
